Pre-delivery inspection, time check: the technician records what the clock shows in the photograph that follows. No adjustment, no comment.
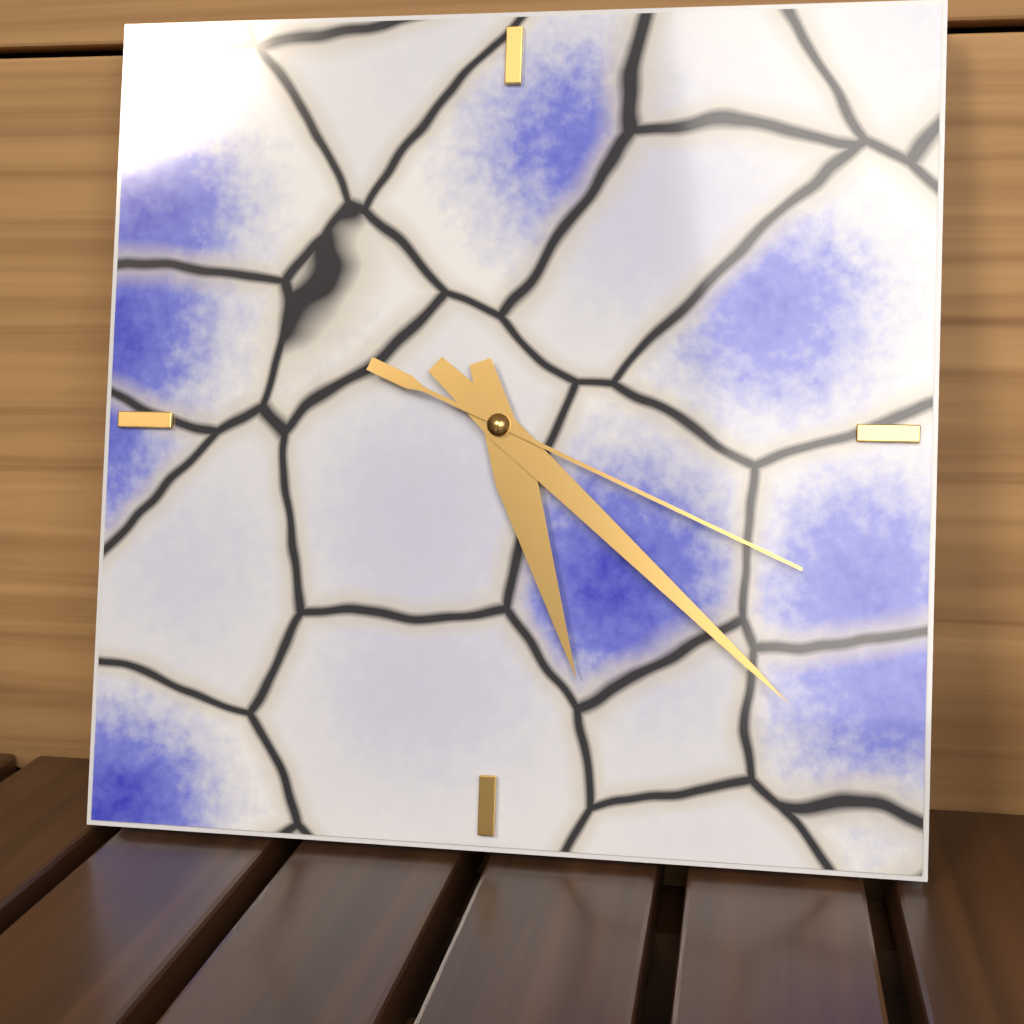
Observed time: 5:22:19
